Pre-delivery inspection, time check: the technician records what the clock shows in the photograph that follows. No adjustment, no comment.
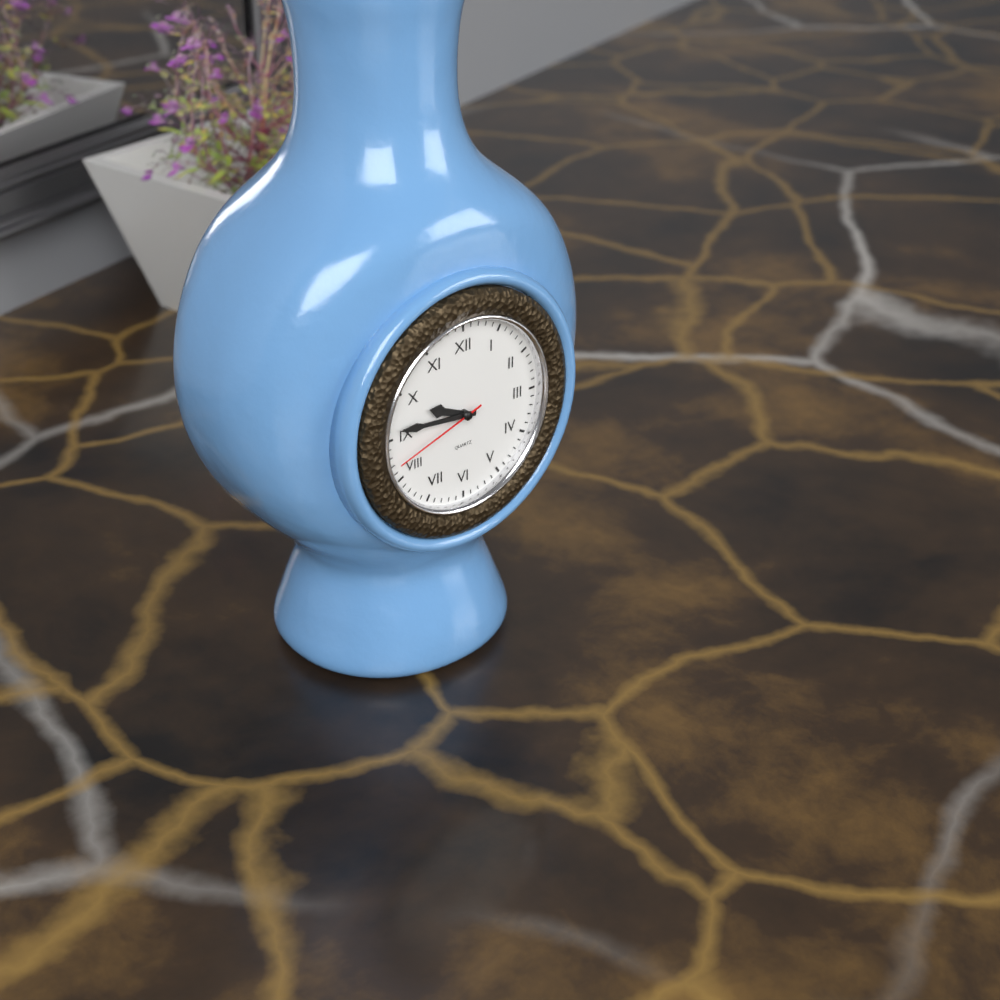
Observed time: 9:46:42
